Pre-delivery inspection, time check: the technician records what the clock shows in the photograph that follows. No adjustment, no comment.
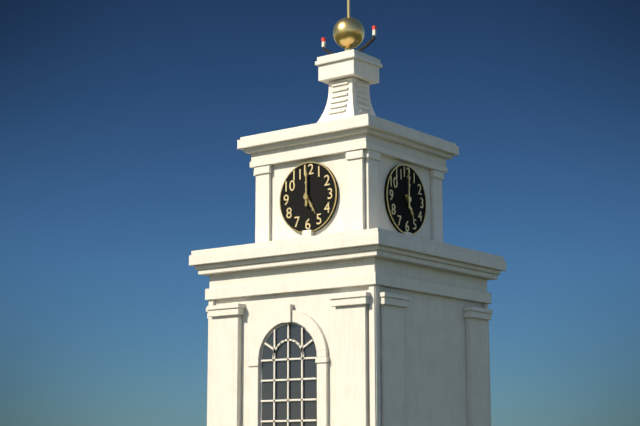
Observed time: 5:00
